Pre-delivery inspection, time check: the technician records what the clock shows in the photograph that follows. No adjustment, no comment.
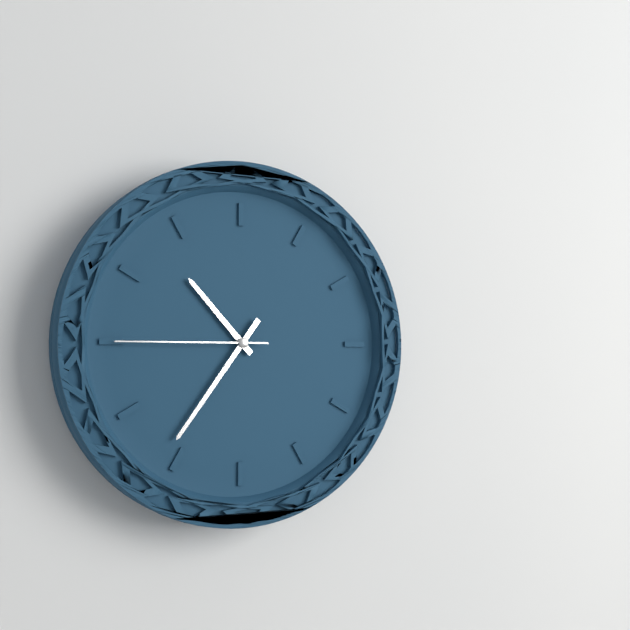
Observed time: 10:36:45
